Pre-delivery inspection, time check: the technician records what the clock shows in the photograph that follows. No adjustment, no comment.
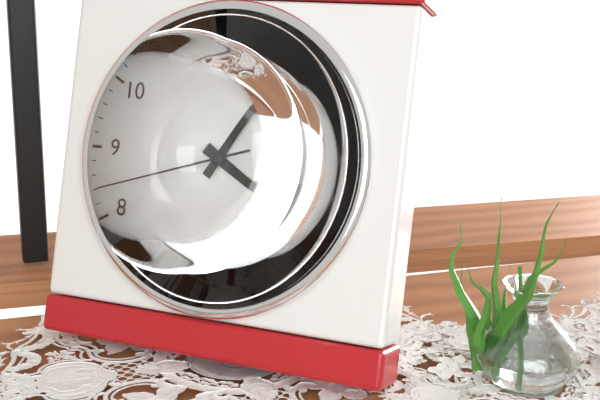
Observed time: 4:05:42
